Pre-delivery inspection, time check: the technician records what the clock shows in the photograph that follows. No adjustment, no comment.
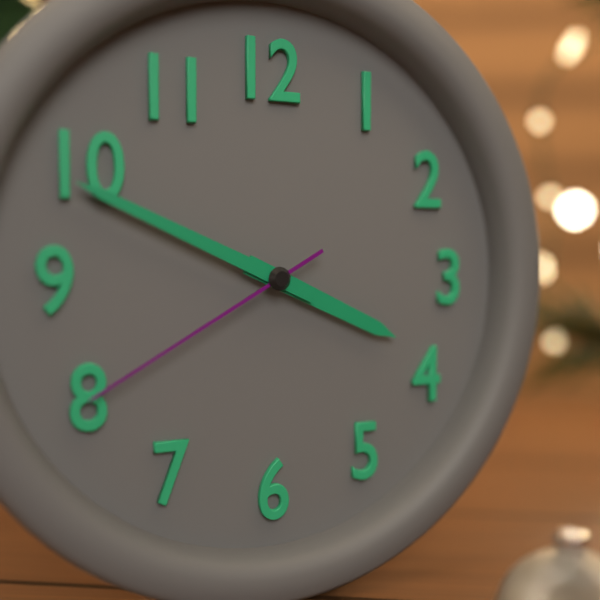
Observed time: 3:49:40
